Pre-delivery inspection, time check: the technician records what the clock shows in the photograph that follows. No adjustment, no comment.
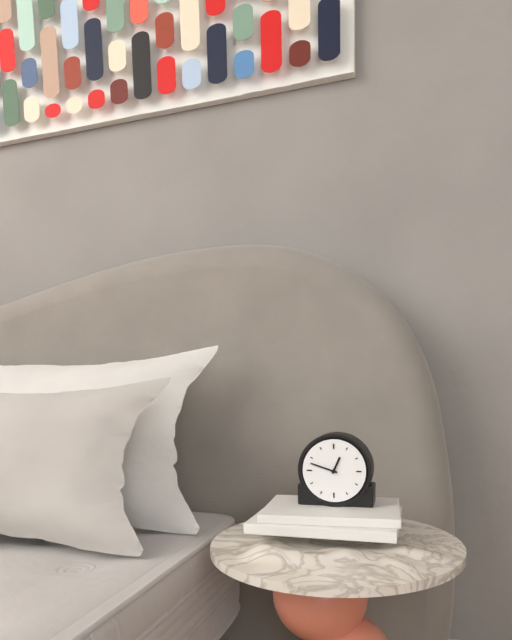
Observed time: 12:48
